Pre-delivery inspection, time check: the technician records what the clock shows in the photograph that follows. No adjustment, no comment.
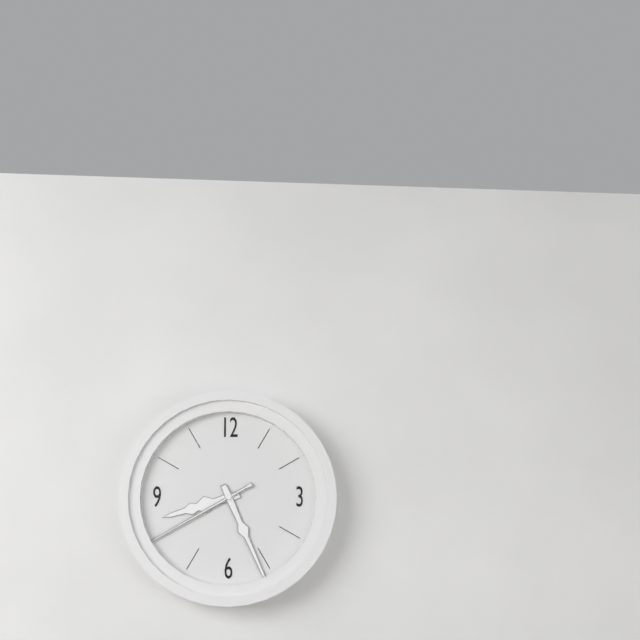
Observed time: 8:26:40
